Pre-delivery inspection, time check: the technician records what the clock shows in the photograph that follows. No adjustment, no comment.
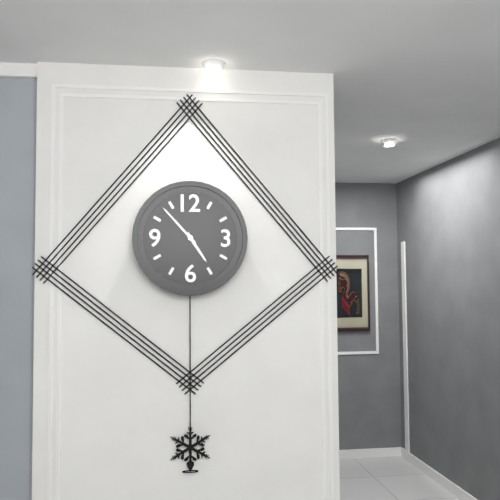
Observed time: 4:53
